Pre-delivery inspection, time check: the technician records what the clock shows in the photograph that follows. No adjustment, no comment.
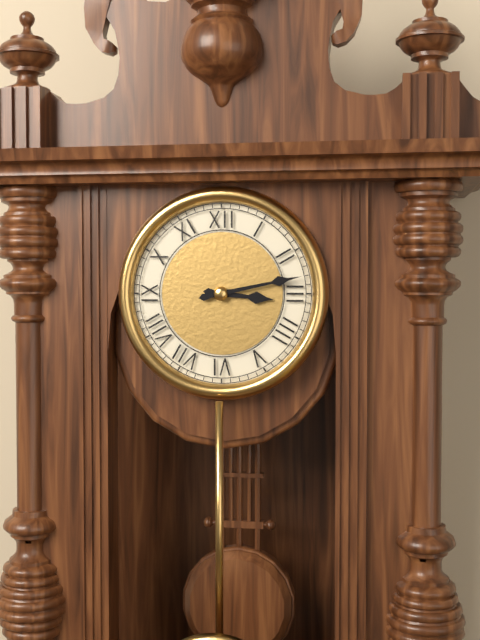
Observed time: 3:13
